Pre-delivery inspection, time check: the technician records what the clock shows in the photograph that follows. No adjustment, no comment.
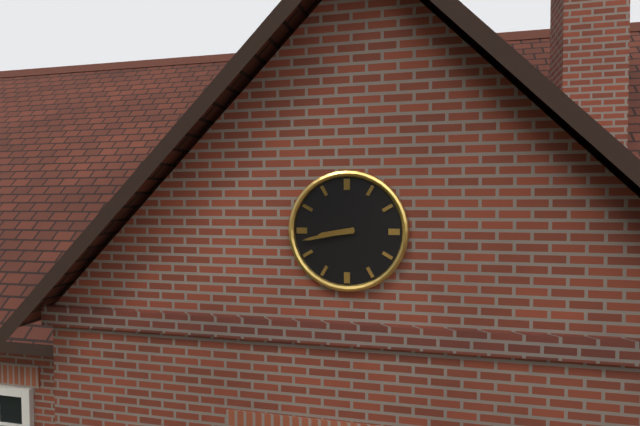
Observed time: 8:43
